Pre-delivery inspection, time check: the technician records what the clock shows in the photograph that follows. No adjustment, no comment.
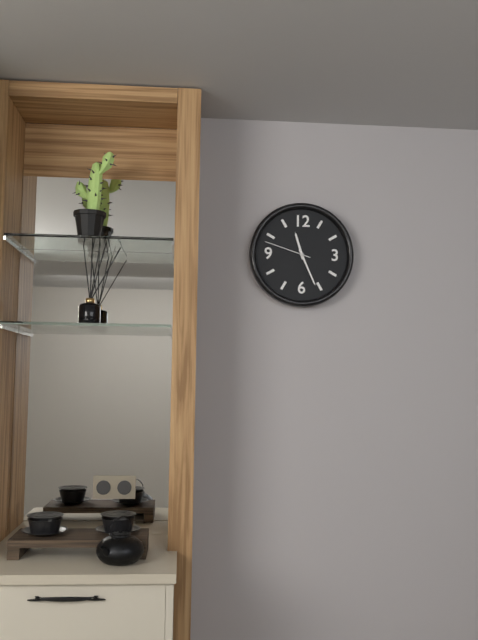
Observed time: 11:26
